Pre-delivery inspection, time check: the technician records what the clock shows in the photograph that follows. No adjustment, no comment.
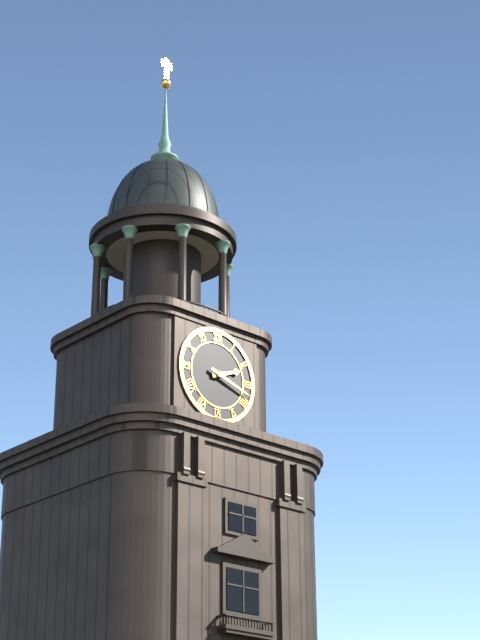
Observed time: 2:18
